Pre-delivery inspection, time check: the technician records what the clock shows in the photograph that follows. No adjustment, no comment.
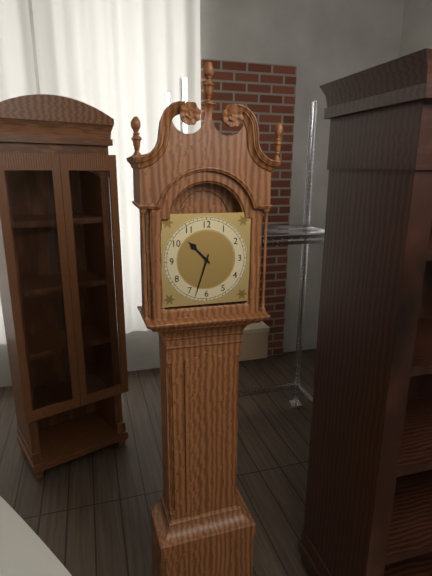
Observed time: 10:33
